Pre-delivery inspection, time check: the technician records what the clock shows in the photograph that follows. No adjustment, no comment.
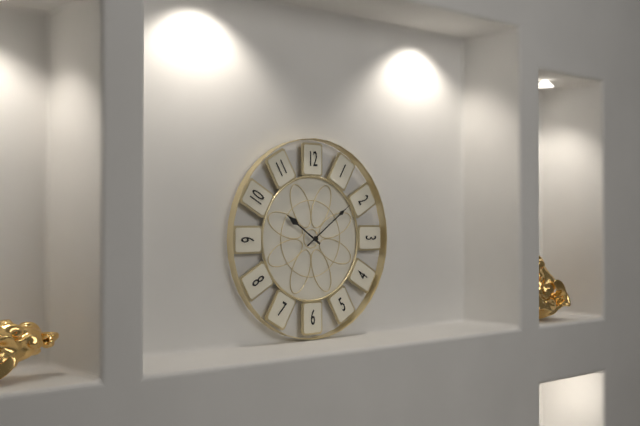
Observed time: 10:09
